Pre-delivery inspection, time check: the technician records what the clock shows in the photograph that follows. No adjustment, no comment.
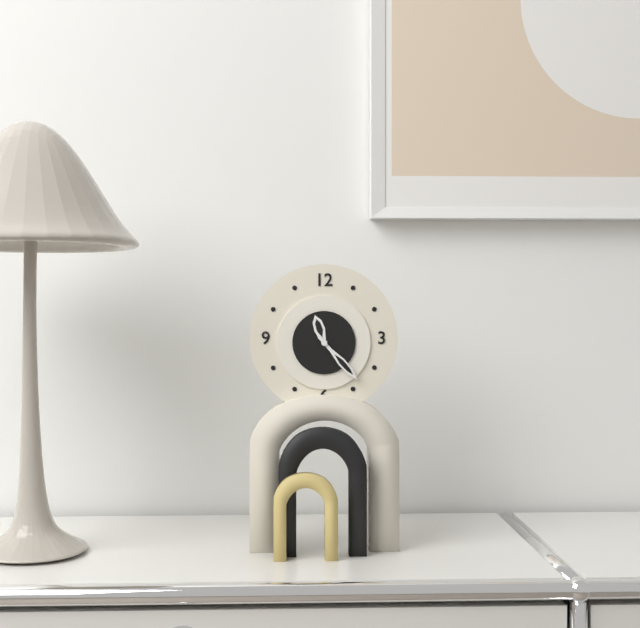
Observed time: 11:23
